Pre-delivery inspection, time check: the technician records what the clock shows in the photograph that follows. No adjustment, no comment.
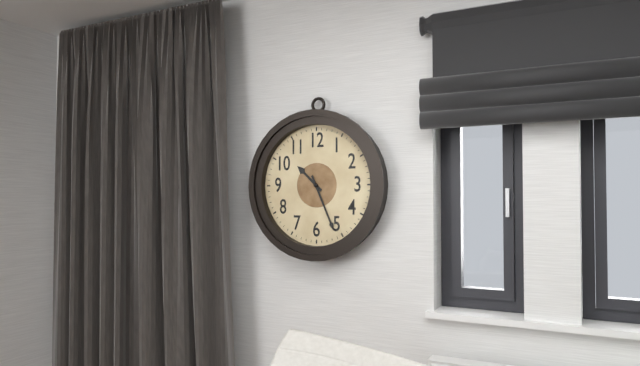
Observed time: 10:26
